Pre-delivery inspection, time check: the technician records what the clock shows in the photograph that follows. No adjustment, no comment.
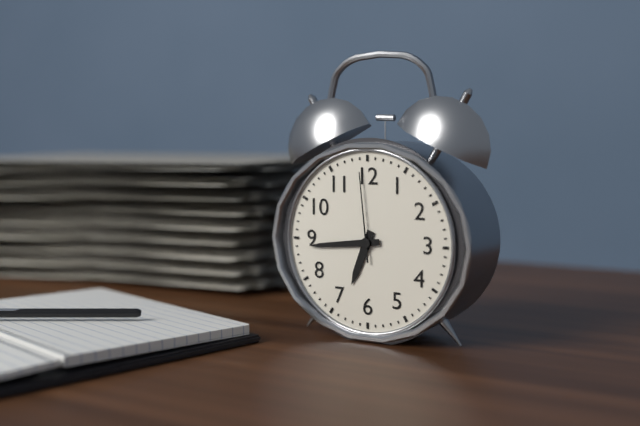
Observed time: 6:44:59
